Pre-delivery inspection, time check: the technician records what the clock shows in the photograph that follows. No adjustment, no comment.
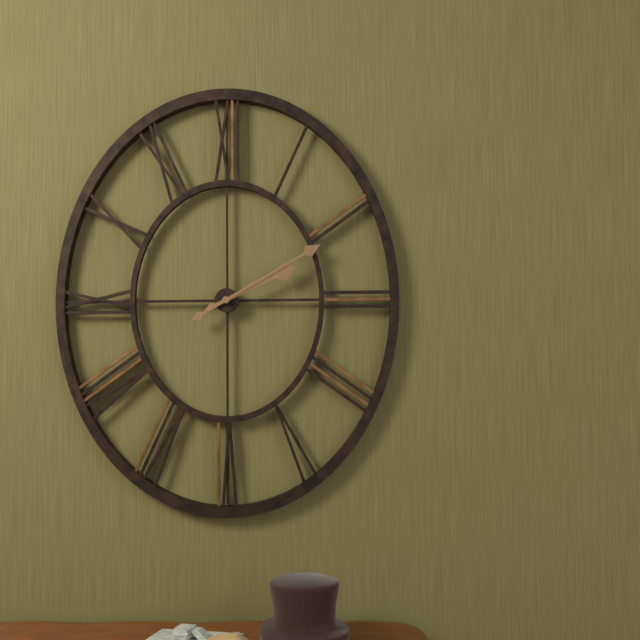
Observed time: 2:10
